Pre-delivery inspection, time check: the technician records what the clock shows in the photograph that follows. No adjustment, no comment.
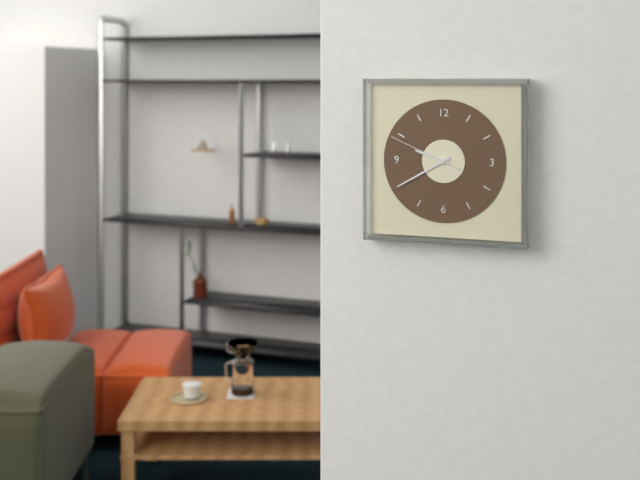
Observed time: 9:40:49
